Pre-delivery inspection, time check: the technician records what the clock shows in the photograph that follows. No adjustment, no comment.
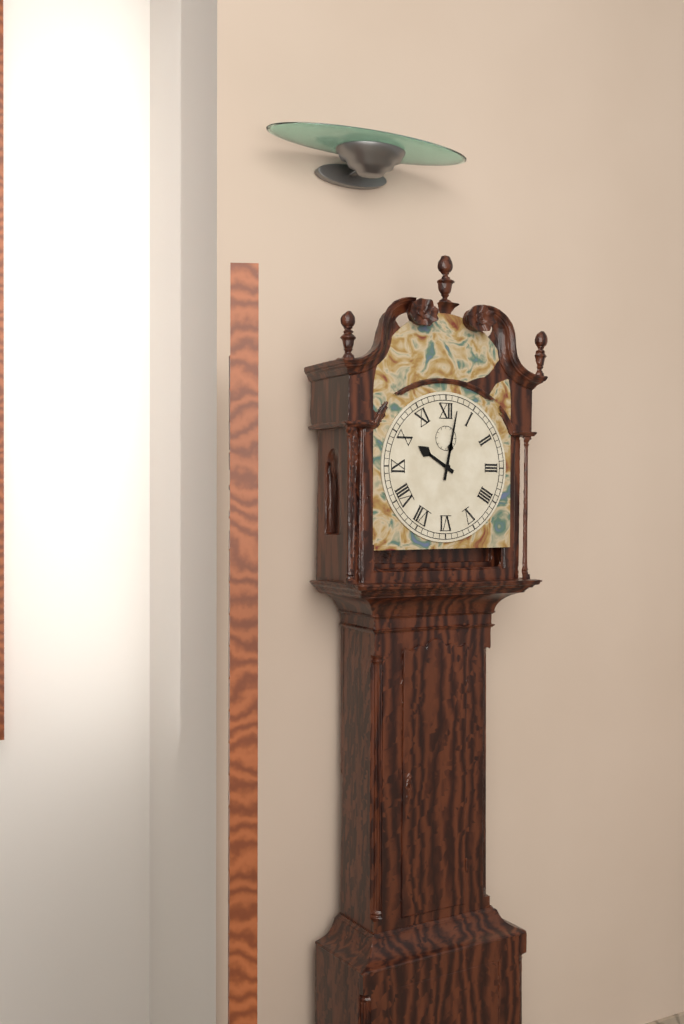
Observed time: 10:02
